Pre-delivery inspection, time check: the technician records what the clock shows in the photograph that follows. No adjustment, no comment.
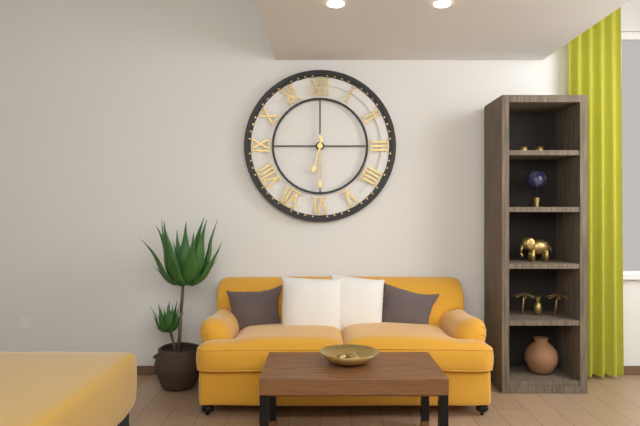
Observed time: 6:30
